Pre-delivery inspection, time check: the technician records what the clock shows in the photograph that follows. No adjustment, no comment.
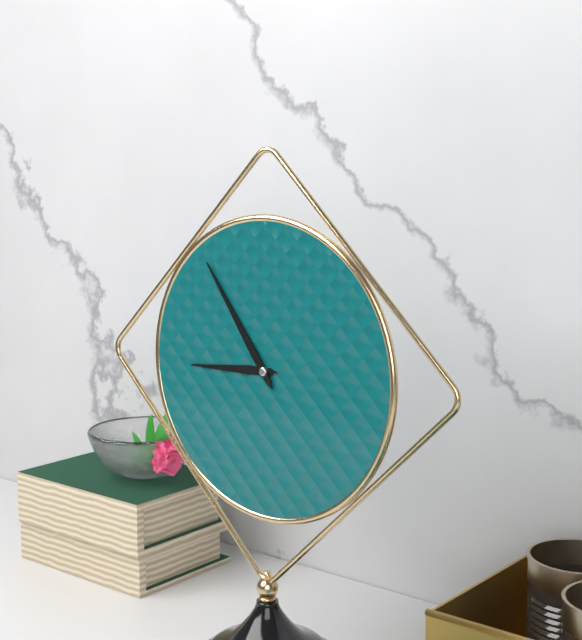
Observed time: 8:54
